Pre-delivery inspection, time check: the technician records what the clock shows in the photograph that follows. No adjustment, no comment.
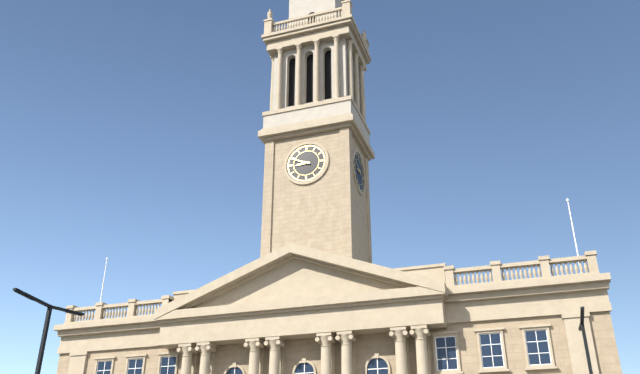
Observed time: 8:49
